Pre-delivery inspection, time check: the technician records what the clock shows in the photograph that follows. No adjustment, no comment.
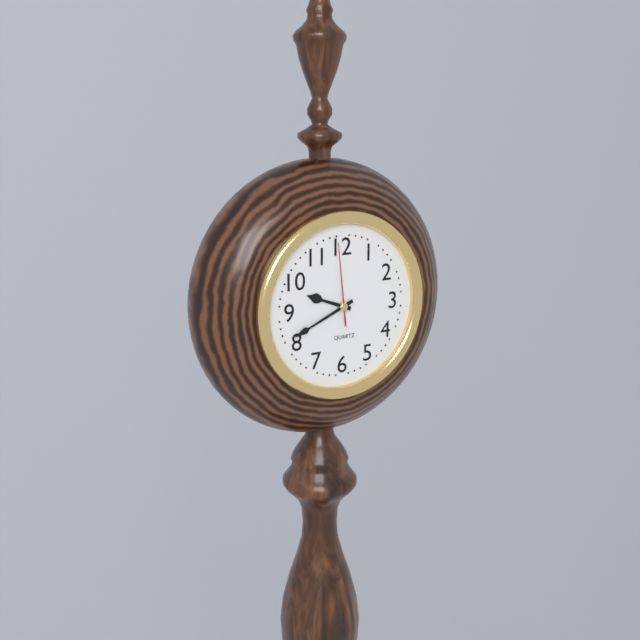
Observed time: 9:41:59
